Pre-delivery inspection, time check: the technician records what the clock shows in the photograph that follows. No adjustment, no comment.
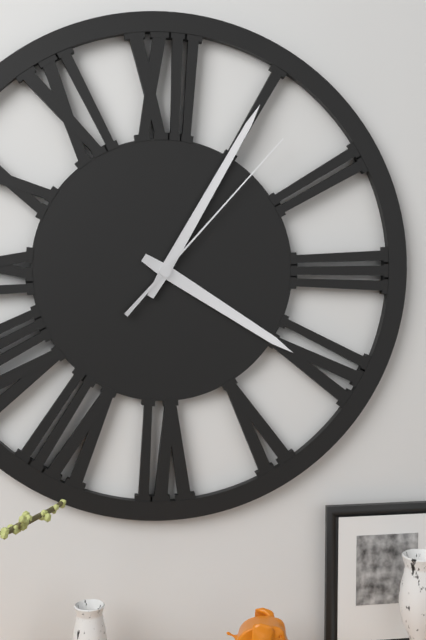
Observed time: 4:05:07
